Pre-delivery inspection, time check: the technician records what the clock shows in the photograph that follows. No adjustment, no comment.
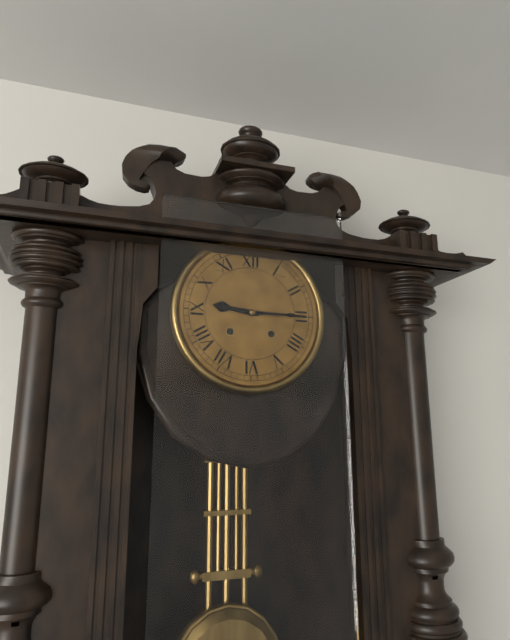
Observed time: 9:15
